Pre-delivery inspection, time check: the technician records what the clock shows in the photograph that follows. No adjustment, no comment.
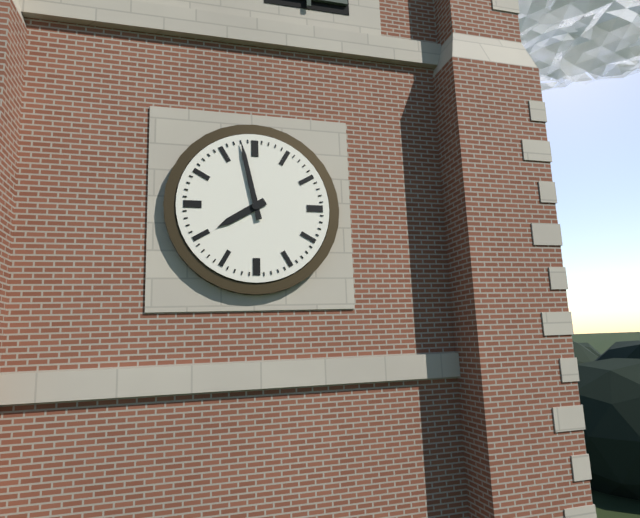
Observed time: 7:58
